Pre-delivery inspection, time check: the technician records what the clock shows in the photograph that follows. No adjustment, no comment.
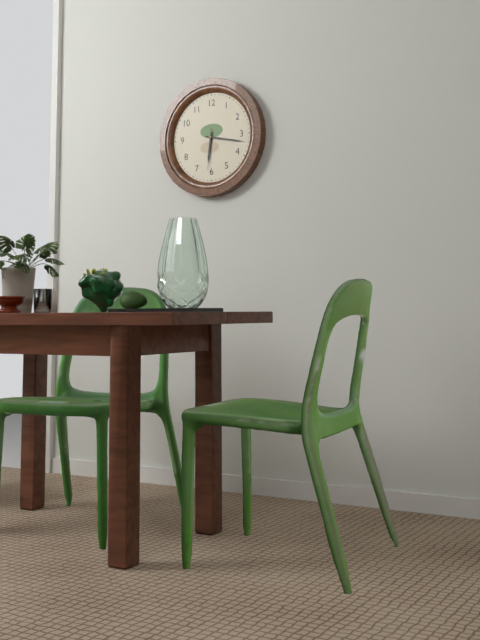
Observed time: 6:17
